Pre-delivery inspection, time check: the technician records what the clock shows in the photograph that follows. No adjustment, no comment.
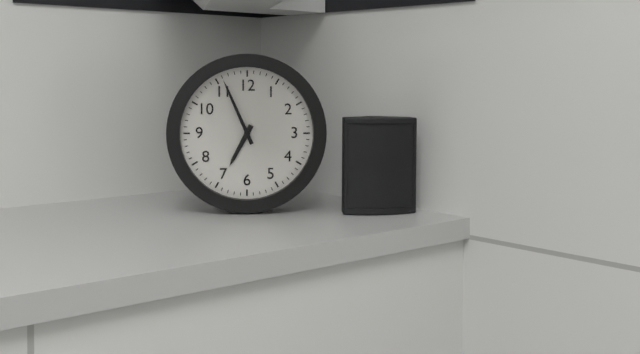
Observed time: 6:56
